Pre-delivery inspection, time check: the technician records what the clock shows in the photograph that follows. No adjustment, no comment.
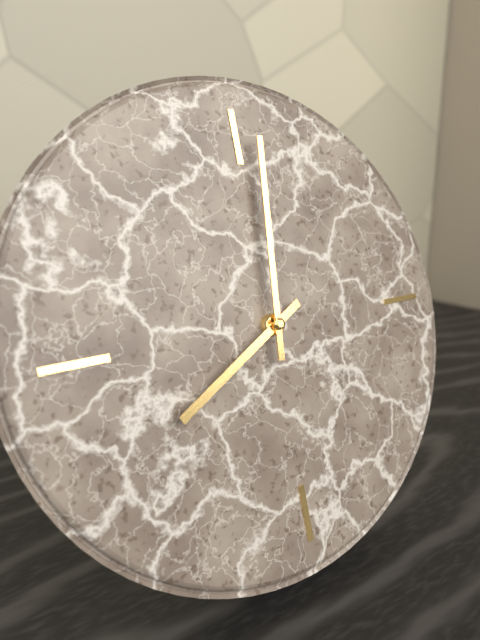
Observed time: 8:01
